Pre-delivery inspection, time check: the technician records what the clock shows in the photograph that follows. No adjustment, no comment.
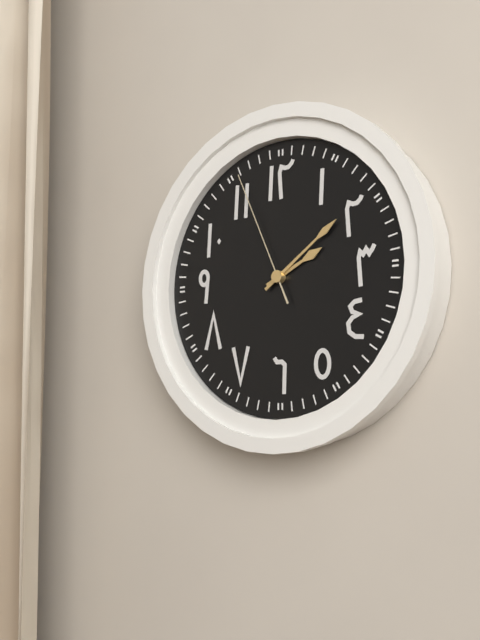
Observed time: 2:09:56
